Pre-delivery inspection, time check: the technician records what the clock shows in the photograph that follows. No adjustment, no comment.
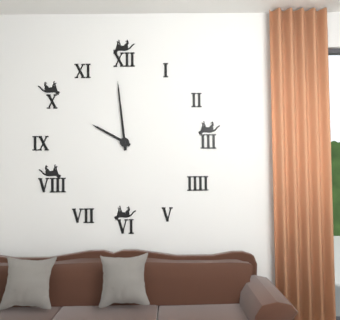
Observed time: 9:59
